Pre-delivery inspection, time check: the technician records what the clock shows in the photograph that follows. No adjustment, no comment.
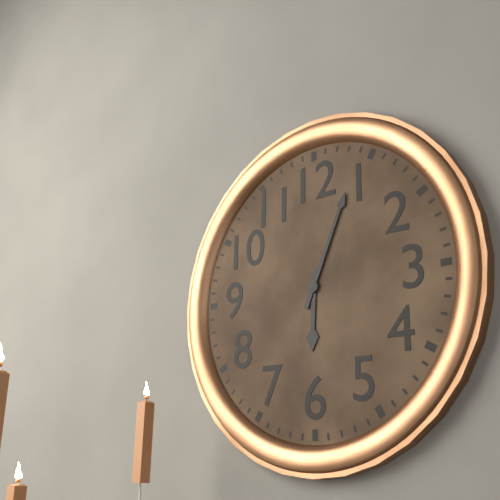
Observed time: 6:04
